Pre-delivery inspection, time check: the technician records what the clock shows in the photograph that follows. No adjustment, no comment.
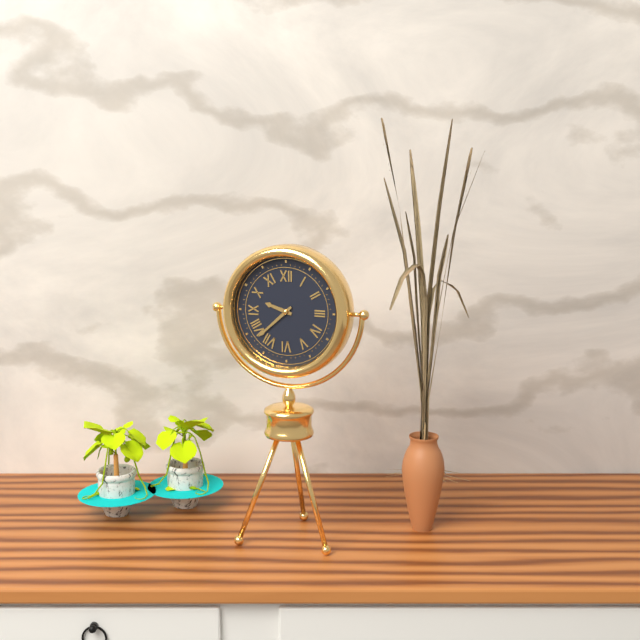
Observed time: 9:38
